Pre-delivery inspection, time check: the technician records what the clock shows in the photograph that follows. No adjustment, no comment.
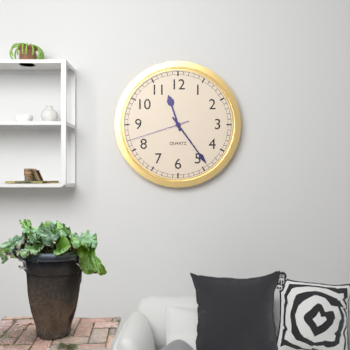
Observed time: 11:24:42
